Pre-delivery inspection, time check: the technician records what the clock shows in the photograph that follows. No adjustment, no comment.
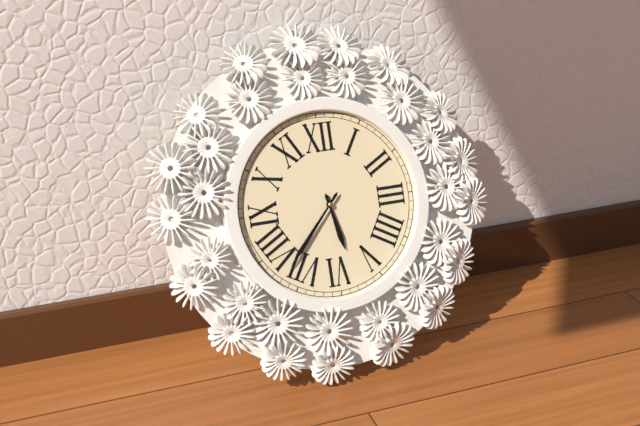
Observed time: 5:37
